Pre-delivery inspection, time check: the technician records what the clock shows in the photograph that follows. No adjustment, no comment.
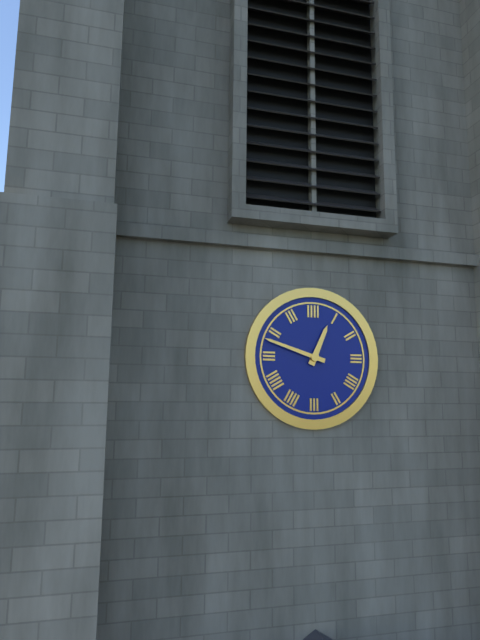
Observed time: 12:48
